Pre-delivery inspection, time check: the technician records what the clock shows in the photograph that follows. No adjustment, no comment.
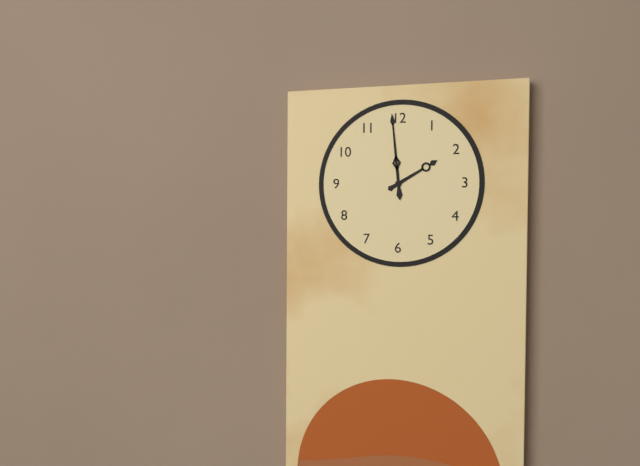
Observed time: 1:59
